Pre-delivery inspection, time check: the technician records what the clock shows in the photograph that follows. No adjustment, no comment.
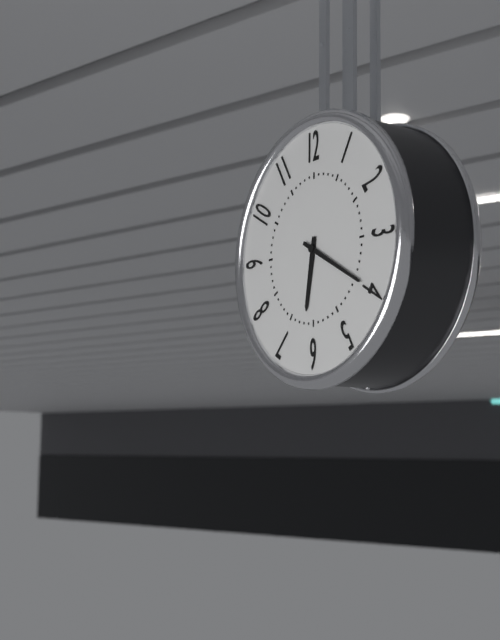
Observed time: 6:20
